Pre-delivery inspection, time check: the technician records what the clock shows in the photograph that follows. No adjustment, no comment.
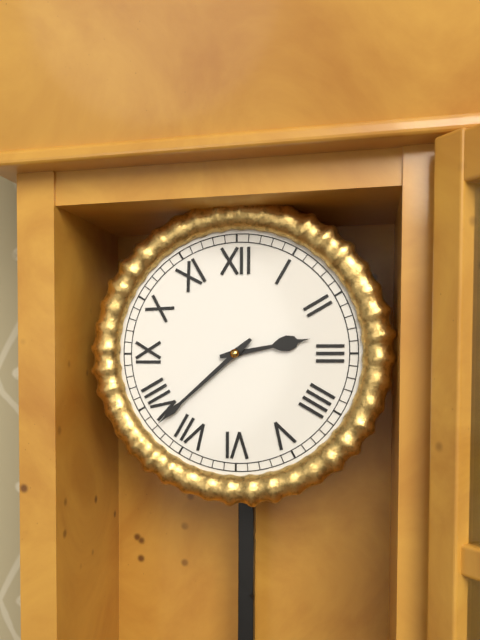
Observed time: 2:38
